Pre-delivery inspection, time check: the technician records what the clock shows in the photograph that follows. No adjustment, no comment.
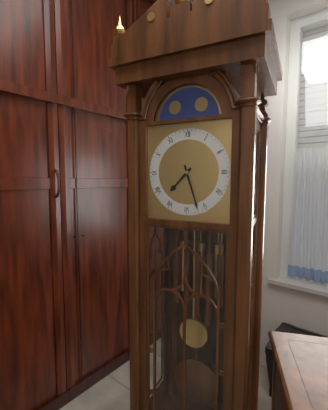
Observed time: 7:27
